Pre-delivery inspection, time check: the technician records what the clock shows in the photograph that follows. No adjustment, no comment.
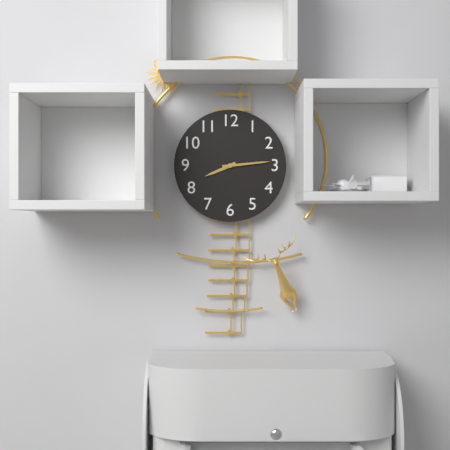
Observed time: 8:14
